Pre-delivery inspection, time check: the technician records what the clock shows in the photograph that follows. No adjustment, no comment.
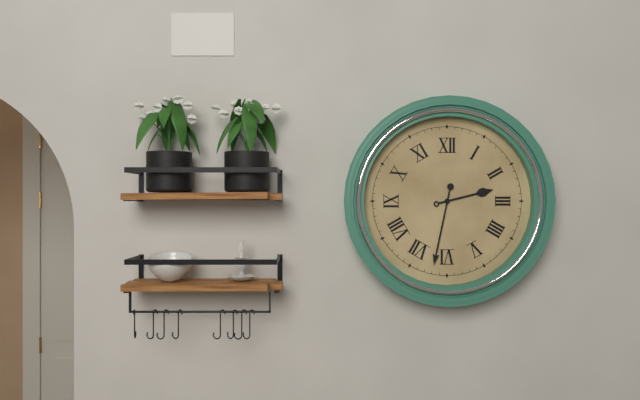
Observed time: 2:32
